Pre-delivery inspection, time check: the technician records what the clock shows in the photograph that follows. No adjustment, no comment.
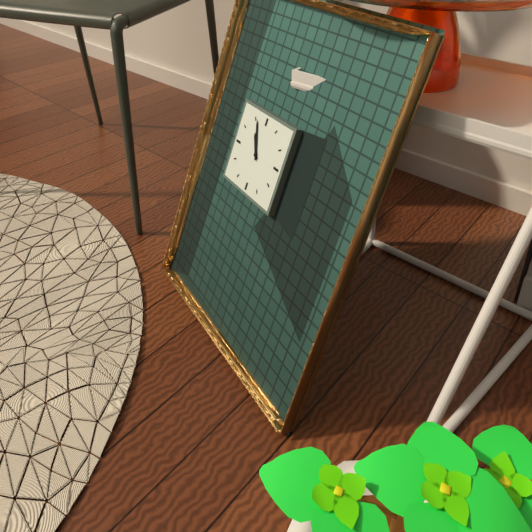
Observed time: 10:56
